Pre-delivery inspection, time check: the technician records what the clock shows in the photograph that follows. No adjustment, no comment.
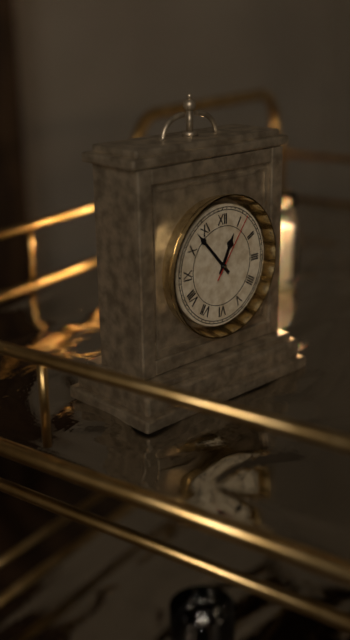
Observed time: 12:53:06
